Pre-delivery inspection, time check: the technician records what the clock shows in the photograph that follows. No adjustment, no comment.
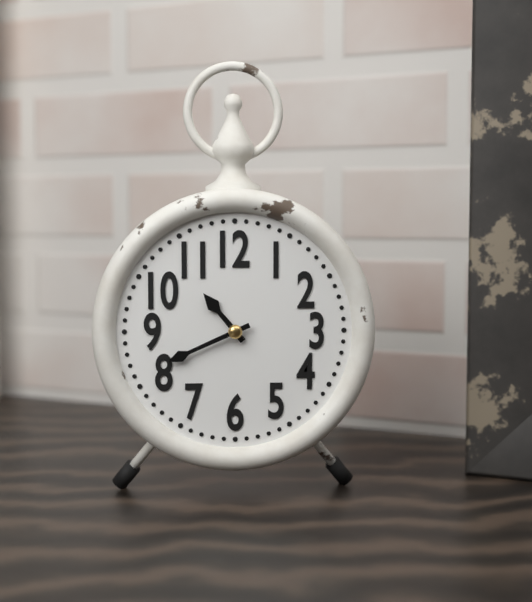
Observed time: 10:41
